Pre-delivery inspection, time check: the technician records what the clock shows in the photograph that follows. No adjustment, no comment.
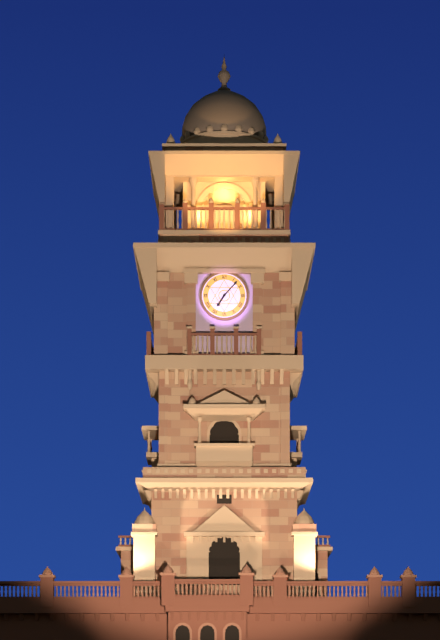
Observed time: 7:07
